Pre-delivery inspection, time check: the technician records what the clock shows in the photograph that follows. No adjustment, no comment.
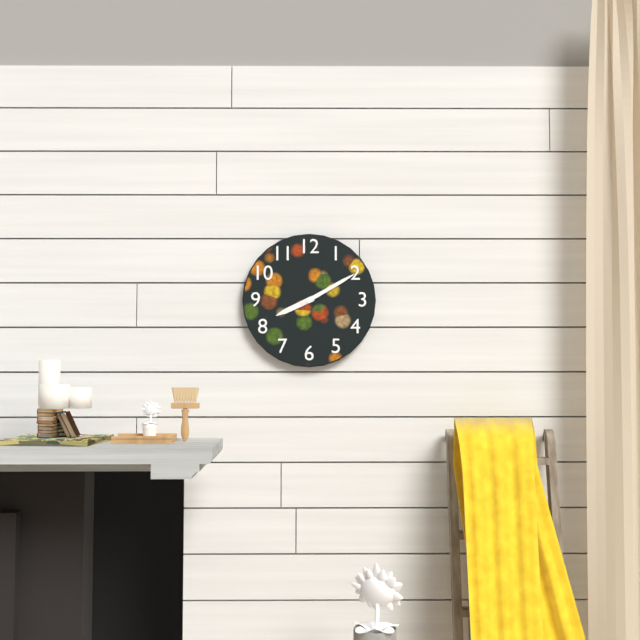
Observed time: 8:10
